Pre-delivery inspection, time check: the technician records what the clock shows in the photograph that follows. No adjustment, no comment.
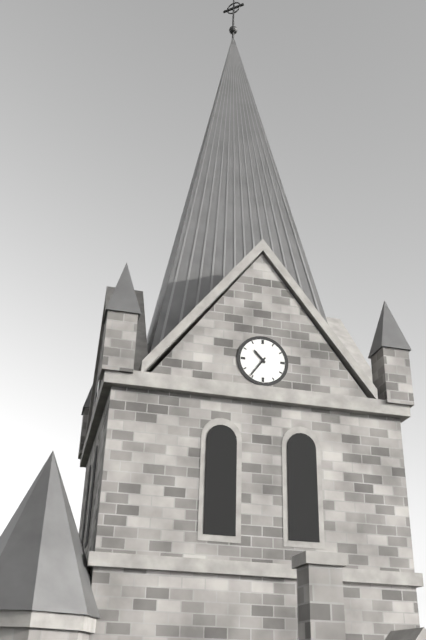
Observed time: 10:36
